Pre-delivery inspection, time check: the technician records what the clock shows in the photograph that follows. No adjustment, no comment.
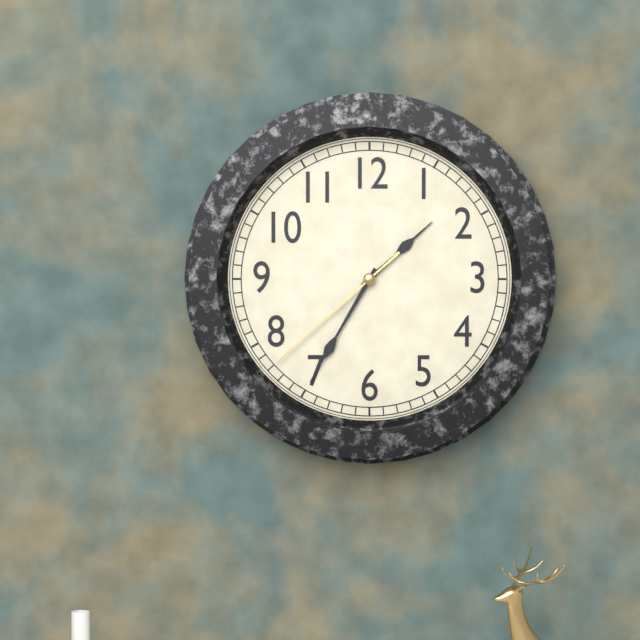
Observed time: 1:35:38
